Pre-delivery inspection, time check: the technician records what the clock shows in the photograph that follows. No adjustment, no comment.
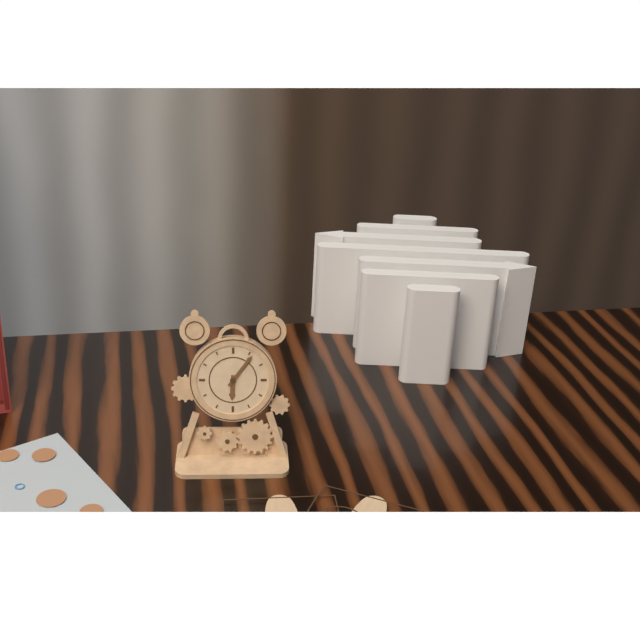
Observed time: 6:06
